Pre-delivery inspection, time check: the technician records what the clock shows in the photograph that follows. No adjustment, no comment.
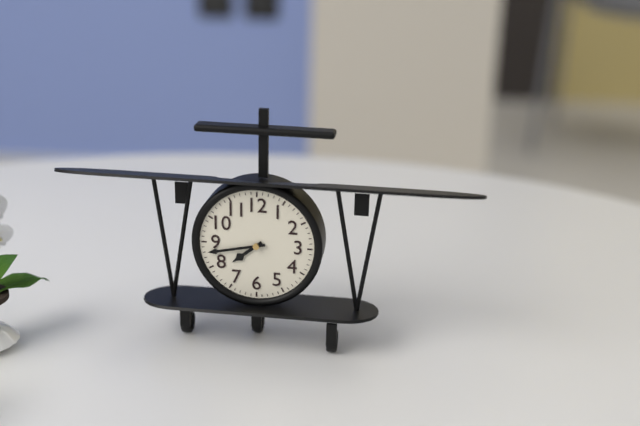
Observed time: 7:43
